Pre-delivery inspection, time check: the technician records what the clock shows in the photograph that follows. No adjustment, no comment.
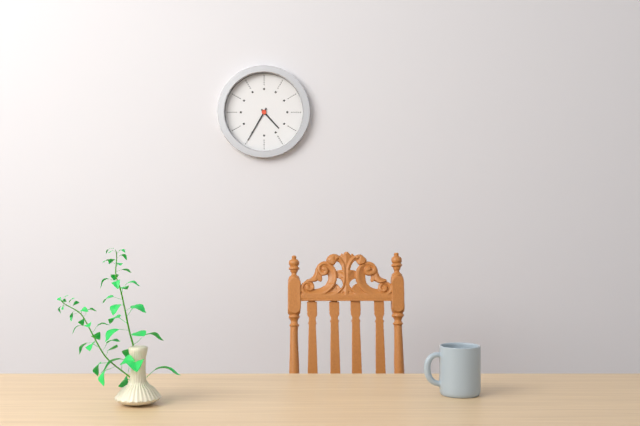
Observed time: 4:35
